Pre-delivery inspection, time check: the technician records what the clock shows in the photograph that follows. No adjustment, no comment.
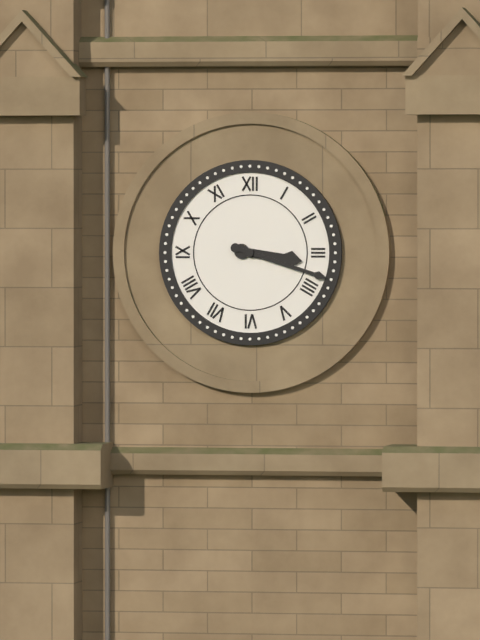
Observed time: 3:18
